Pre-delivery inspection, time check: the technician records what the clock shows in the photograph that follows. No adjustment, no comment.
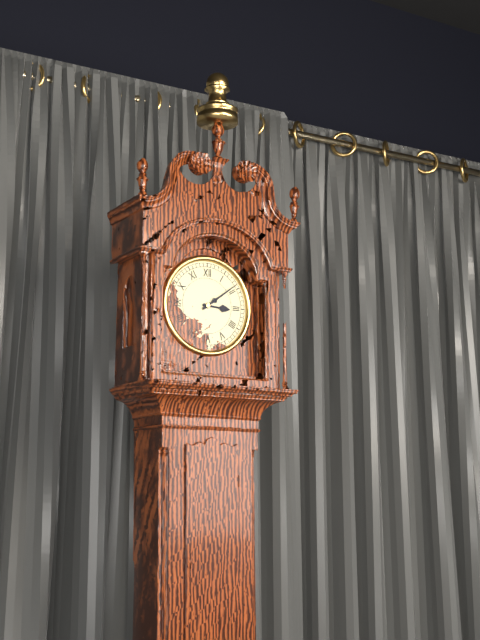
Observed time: 3:09
